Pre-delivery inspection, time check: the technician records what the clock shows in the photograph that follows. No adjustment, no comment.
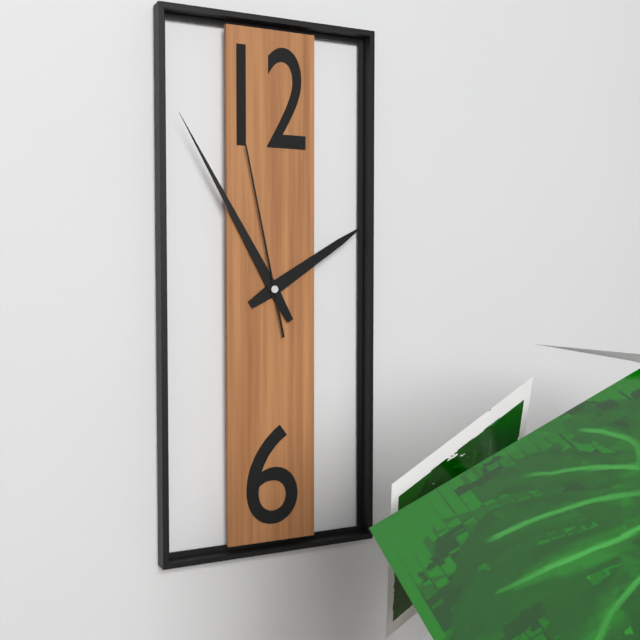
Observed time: 1:55:58
